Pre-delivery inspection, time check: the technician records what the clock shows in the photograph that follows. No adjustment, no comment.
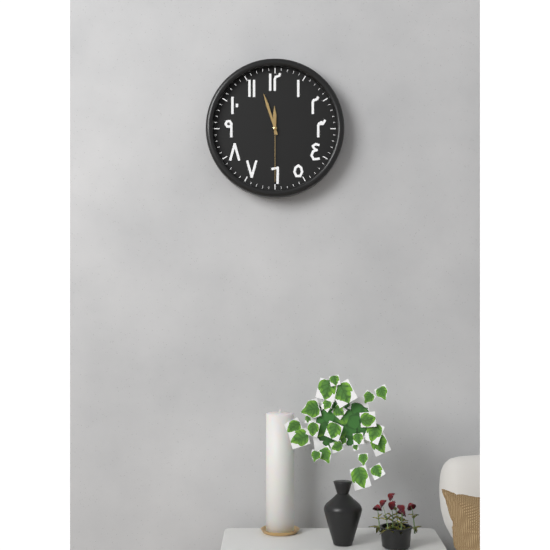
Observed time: 11:57:30
